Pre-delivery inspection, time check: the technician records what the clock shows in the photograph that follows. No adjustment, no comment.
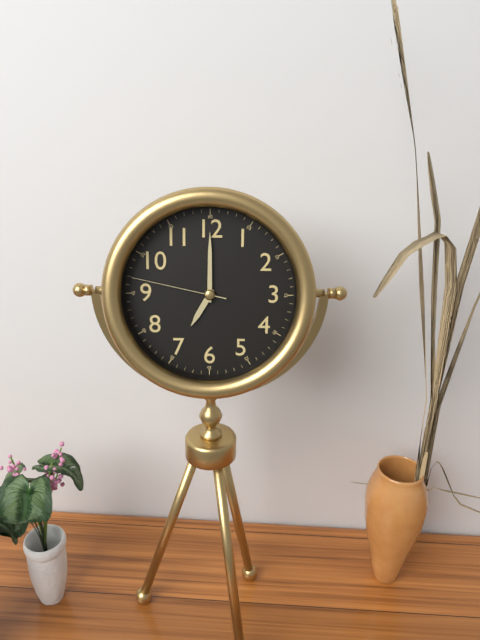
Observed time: 7:00:47
